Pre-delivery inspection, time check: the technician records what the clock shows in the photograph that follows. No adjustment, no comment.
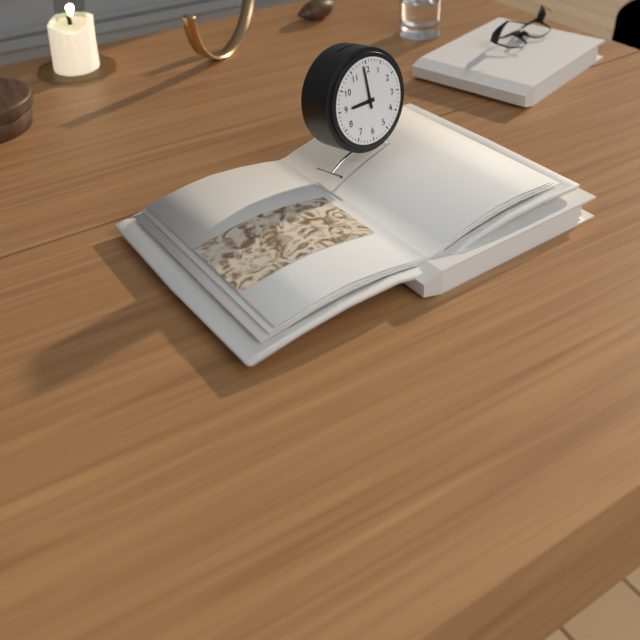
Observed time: 8:59
